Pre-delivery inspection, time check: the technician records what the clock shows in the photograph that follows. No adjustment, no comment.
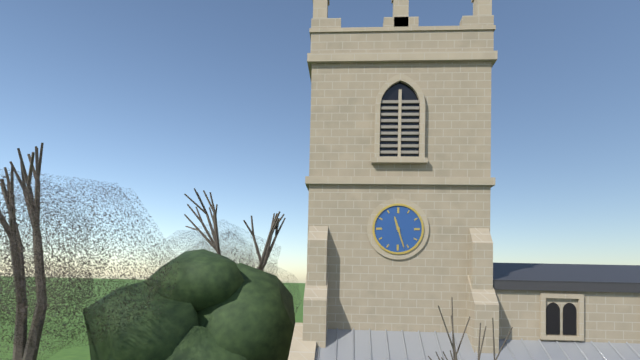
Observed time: 11:27
